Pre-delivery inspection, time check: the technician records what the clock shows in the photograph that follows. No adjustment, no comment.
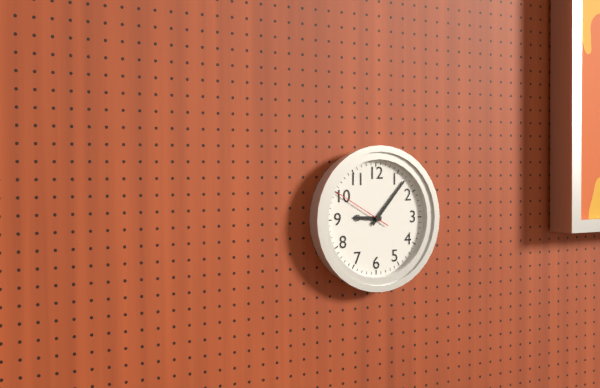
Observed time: 9:07:50
